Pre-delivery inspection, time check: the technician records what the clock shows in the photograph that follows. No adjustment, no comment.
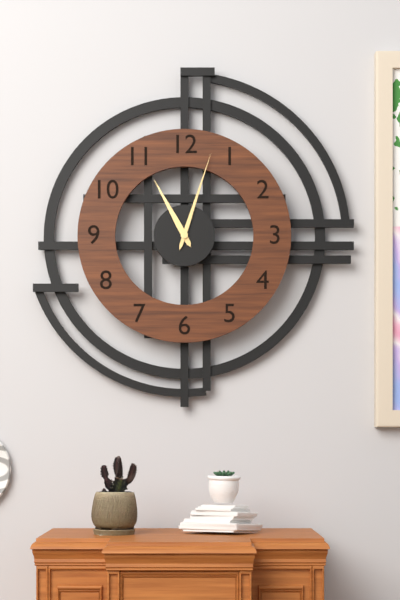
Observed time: 11:03
